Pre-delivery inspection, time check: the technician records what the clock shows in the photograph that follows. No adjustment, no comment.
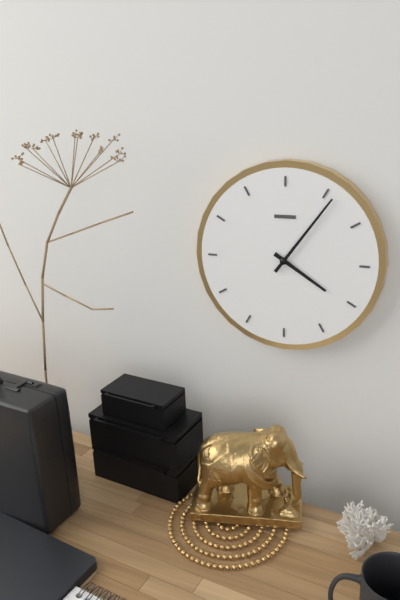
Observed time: 4:06
